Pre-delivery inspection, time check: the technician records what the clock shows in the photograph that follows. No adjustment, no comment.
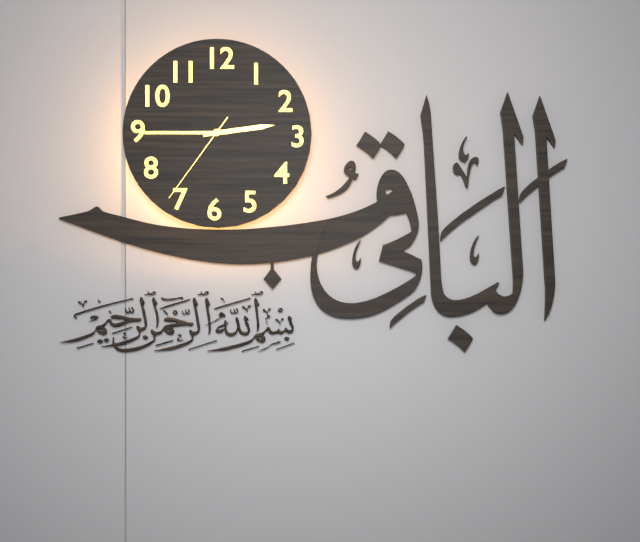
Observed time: 2:45:36
